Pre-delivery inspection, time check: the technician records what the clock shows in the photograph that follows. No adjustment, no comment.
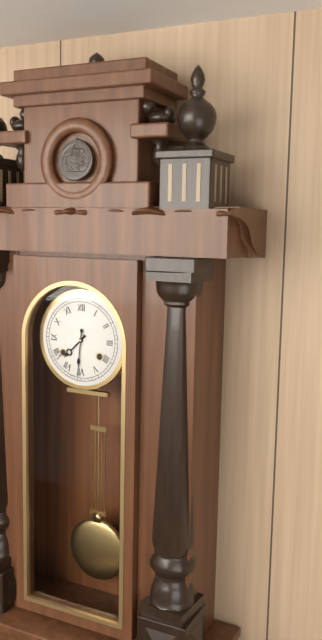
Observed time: 7:31
